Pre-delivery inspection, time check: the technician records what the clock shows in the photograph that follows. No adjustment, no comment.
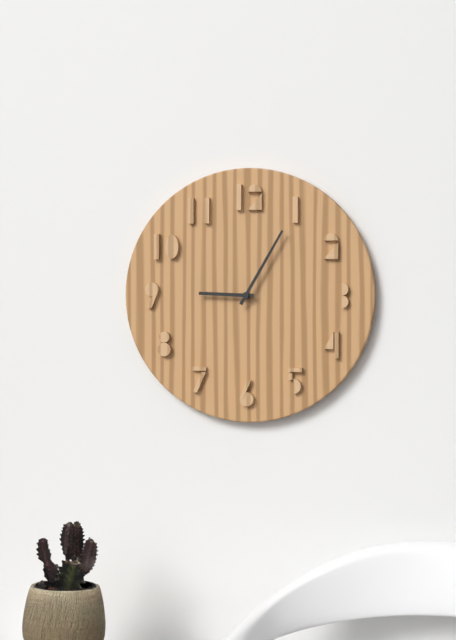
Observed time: 9:05
